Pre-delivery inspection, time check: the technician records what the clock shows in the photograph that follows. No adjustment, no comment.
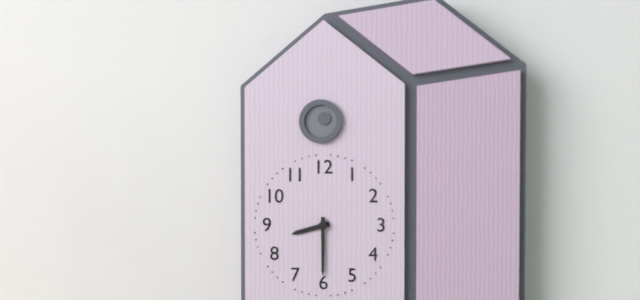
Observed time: 8:30
